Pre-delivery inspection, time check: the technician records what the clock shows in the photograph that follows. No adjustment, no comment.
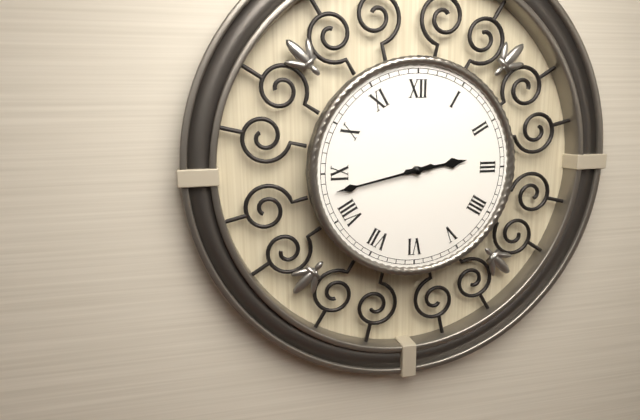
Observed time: 2:43
